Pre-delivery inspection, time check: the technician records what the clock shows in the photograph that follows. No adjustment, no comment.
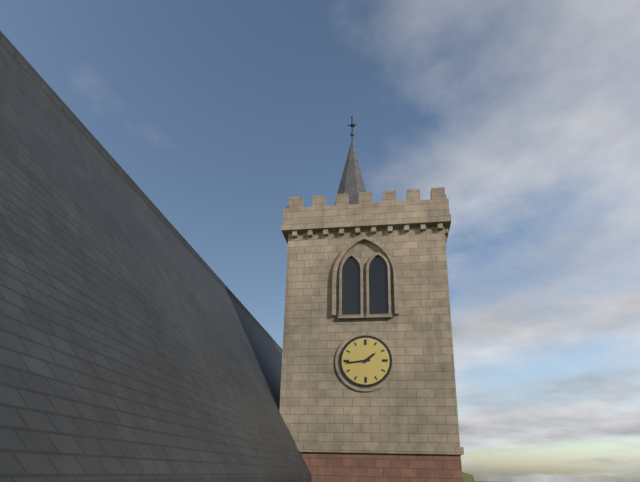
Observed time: 1:44
